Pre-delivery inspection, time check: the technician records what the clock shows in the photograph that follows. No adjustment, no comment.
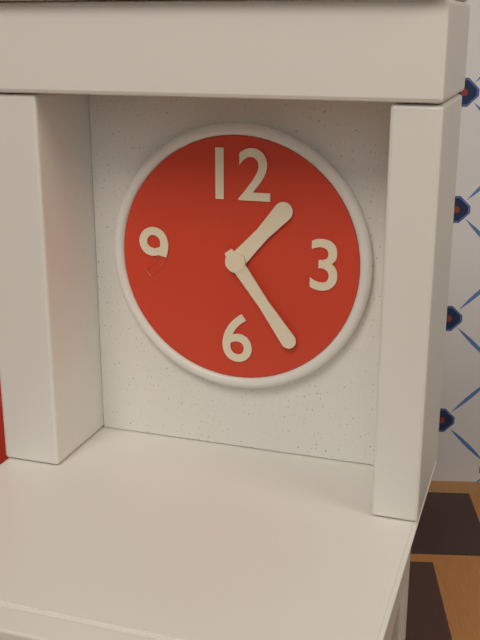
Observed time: 1:24
